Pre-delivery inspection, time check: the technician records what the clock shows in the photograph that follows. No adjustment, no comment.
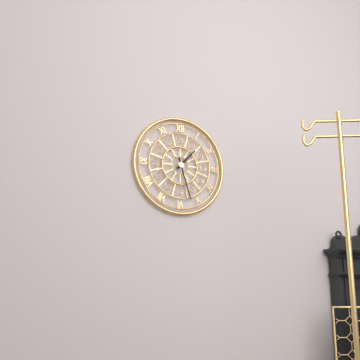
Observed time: 1:27
